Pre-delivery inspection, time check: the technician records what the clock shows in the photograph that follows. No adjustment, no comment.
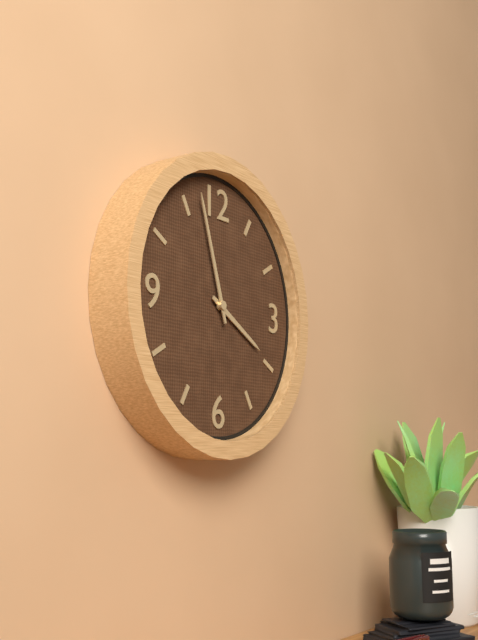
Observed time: 3:57
